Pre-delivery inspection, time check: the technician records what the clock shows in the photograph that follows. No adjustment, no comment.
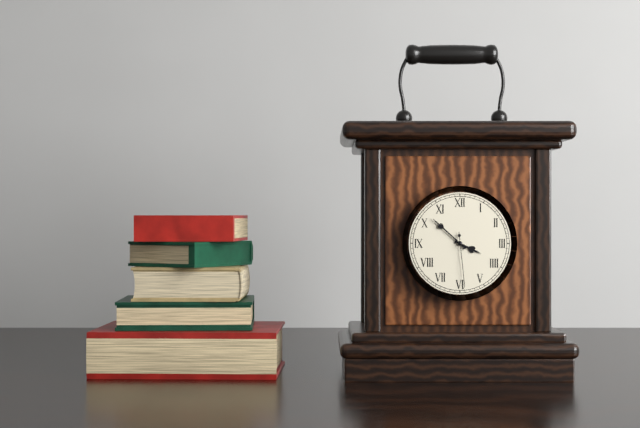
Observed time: 3:52:29
